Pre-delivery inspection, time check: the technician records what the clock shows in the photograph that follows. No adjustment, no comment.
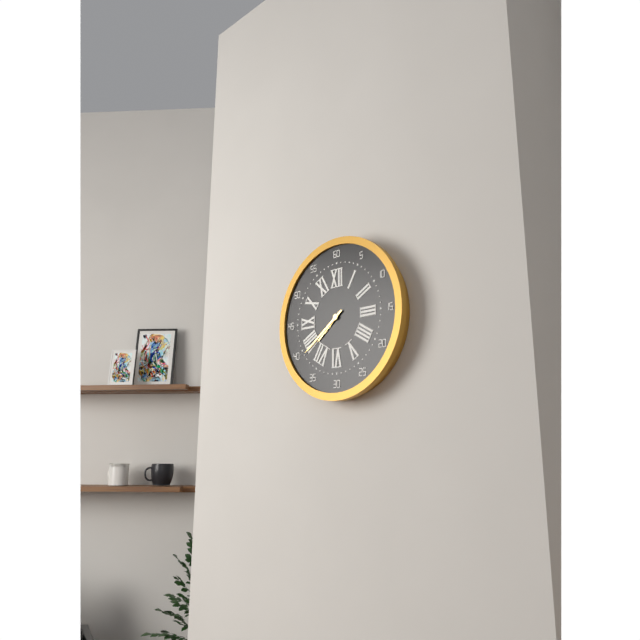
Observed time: 7:39
